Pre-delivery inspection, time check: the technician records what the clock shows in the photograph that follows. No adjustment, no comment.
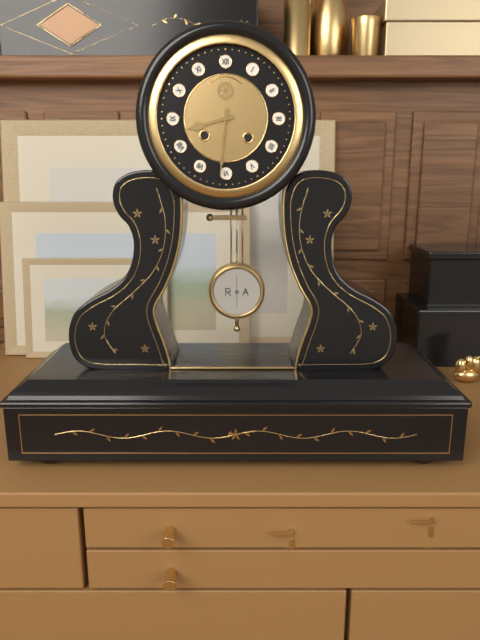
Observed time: 8:31
